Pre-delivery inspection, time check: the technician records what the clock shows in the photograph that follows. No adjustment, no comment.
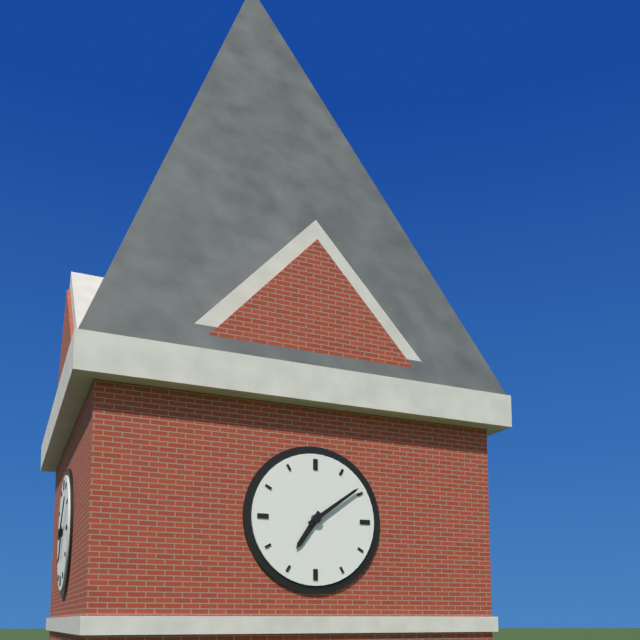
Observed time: 7:09
